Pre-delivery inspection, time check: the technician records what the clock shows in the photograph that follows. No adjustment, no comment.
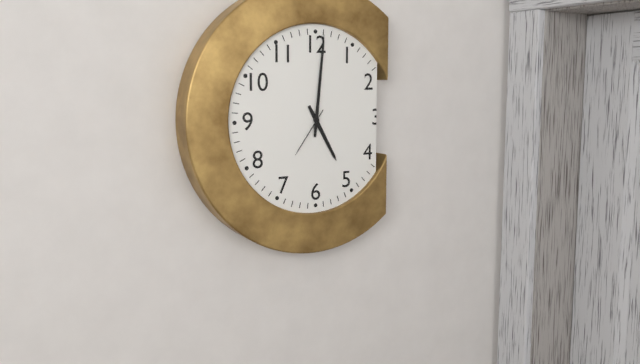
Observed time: 5:01:36
